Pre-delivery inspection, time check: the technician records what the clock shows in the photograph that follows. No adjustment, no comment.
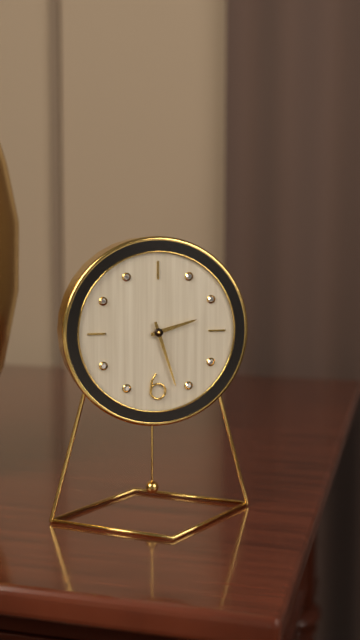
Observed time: 2:27
